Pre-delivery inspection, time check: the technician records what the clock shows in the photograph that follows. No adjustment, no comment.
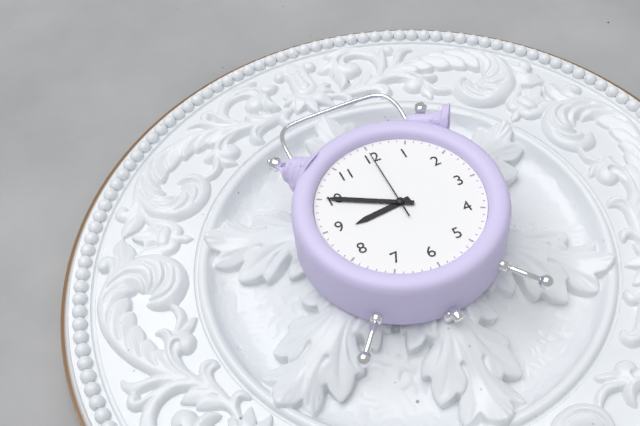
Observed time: 8:50:00
